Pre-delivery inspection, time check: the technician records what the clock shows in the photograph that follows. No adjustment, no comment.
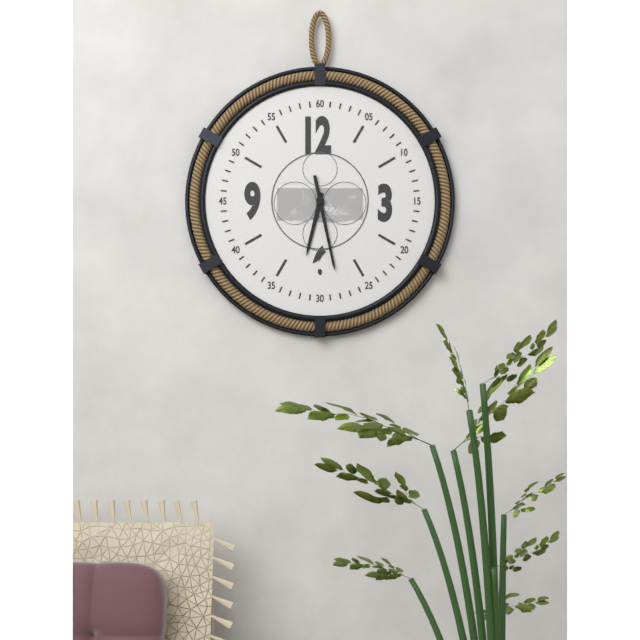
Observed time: 6:28
